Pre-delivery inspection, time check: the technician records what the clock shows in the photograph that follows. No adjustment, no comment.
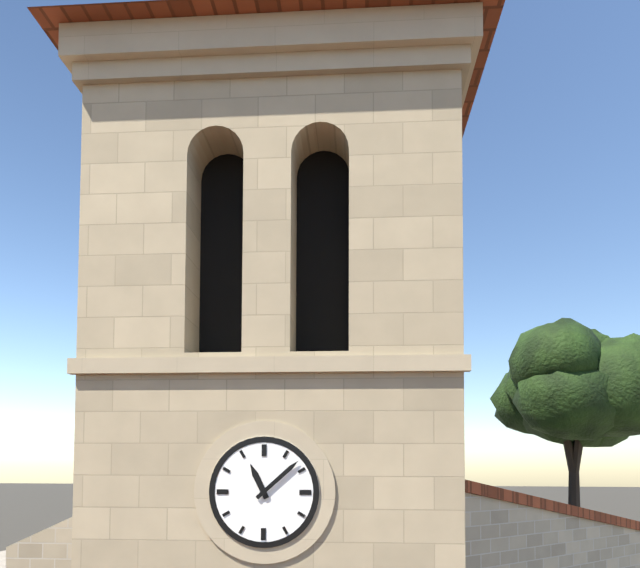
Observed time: 11:08
